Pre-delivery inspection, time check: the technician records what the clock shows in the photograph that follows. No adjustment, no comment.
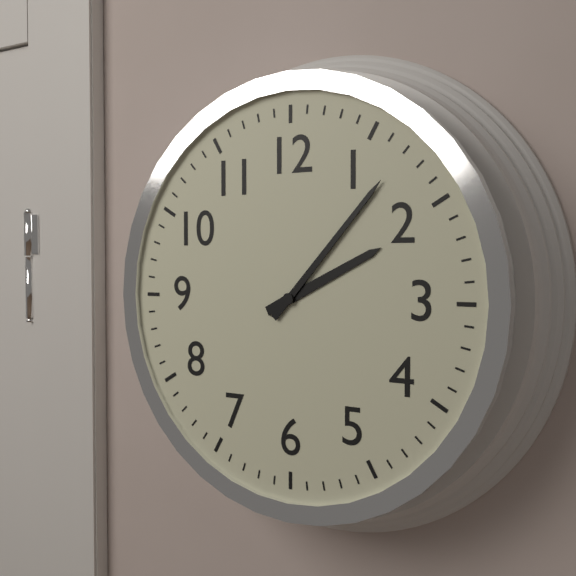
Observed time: 2:07
